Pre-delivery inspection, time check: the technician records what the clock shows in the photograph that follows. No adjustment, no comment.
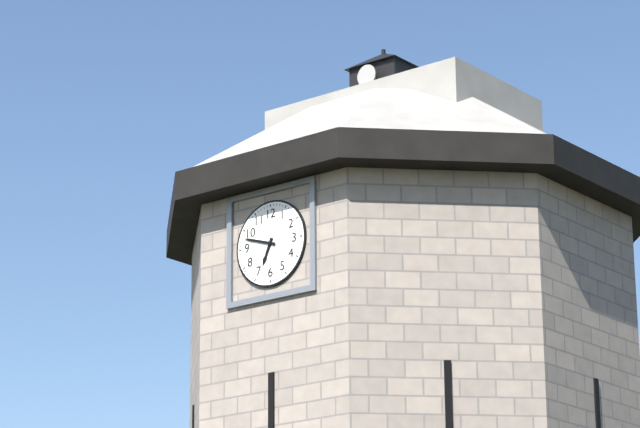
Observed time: 6:48
